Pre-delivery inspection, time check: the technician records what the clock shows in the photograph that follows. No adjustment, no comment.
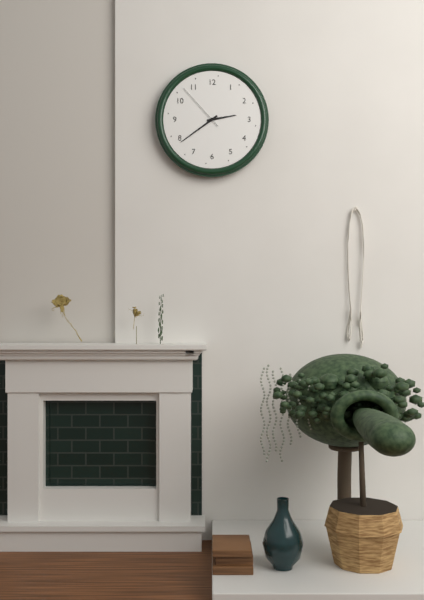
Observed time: 2:39:53
